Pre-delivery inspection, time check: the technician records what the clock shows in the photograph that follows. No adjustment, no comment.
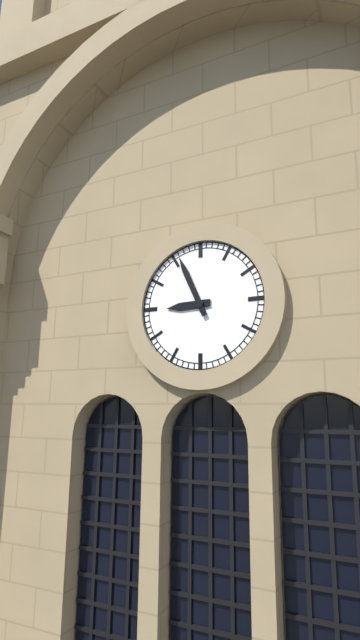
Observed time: 8:56
